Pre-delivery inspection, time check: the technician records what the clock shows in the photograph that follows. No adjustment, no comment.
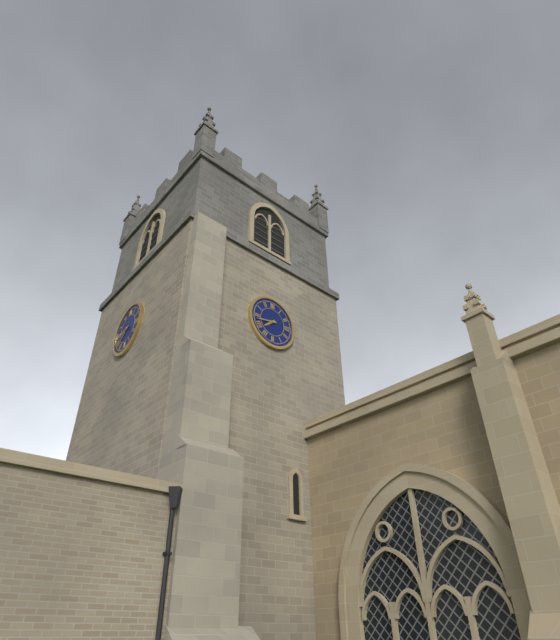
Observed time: 7:43
